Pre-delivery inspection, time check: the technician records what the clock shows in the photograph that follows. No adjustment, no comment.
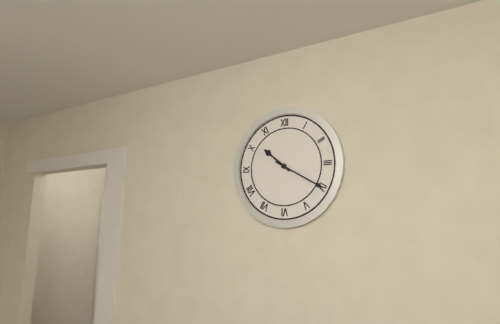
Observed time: 10:20
